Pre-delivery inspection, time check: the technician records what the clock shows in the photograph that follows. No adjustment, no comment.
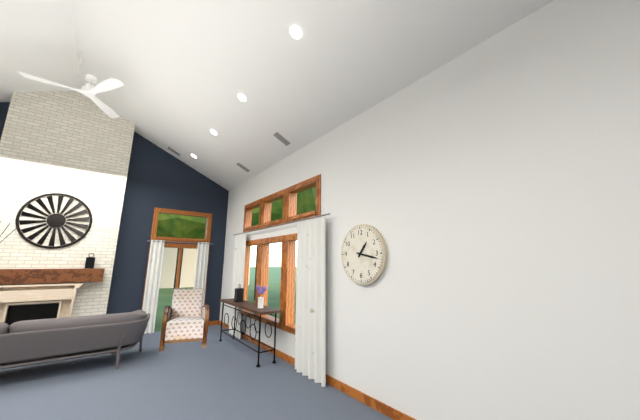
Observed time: 1:17
